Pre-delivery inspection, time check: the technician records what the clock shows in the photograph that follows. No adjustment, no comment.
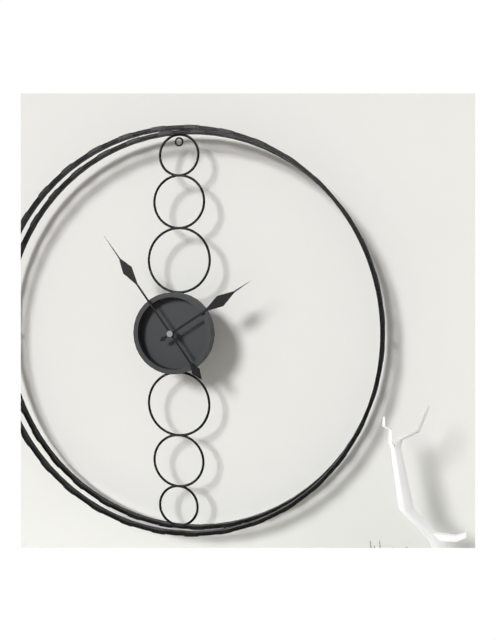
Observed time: 1:54
